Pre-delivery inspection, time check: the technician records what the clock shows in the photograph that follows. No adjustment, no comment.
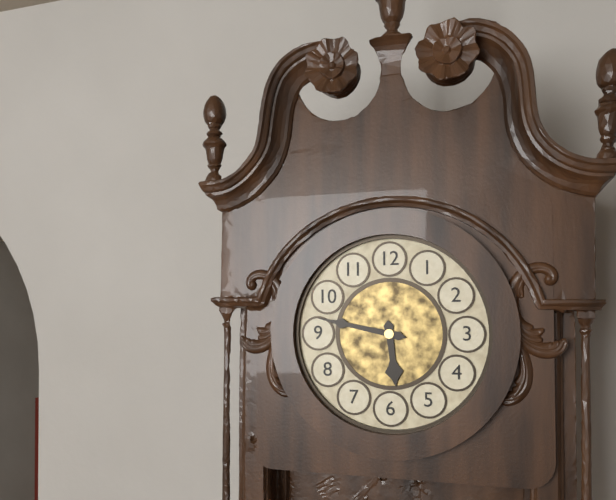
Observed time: 5:47
